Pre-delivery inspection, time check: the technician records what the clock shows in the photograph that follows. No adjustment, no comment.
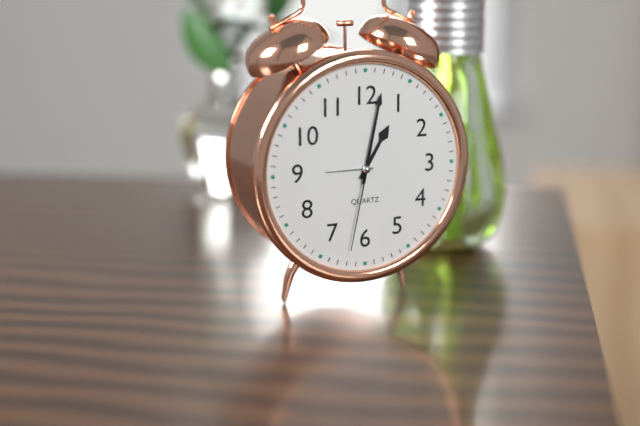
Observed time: 1:02:32
